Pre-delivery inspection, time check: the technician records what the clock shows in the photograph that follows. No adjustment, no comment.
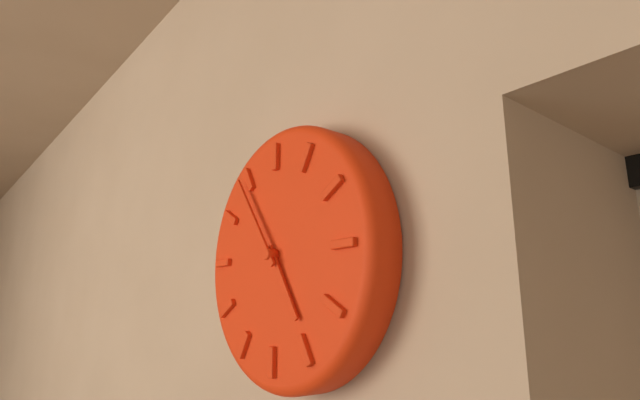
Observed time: 4:54
